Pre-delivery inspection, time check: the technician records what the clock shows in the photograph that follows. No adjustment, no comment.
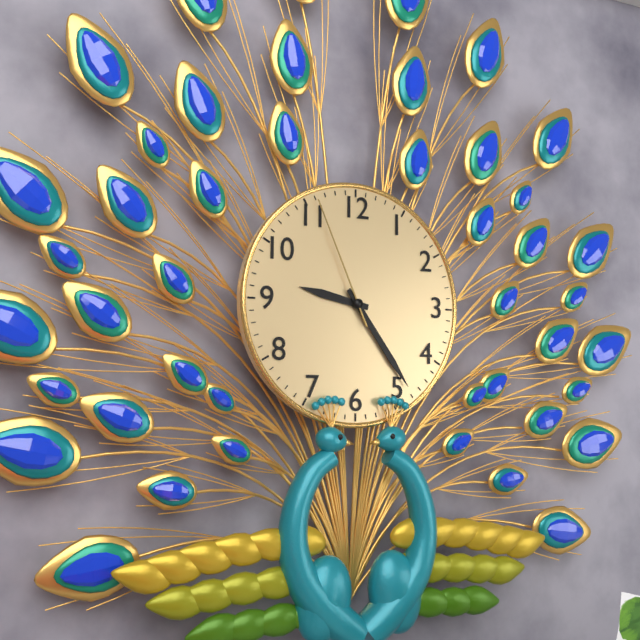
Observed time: 9:24:56
